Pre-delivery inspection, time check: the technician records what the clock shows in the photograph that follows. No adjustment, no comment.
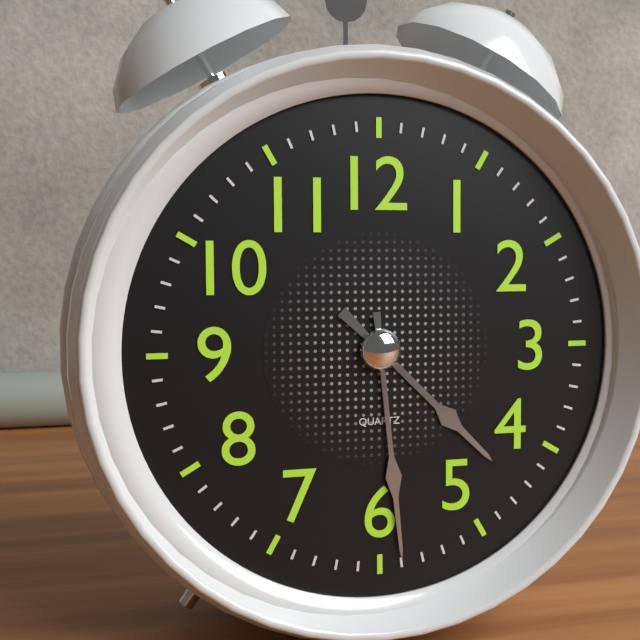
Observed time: 4:29
